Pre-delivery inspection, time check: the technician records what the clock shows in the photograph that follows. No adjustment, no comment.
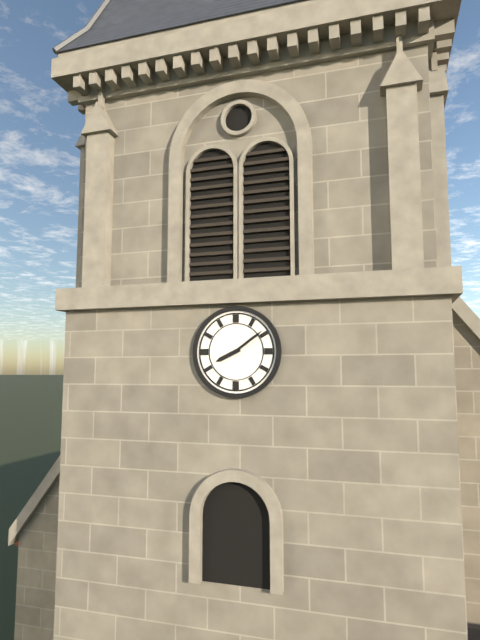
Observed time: 8:09
